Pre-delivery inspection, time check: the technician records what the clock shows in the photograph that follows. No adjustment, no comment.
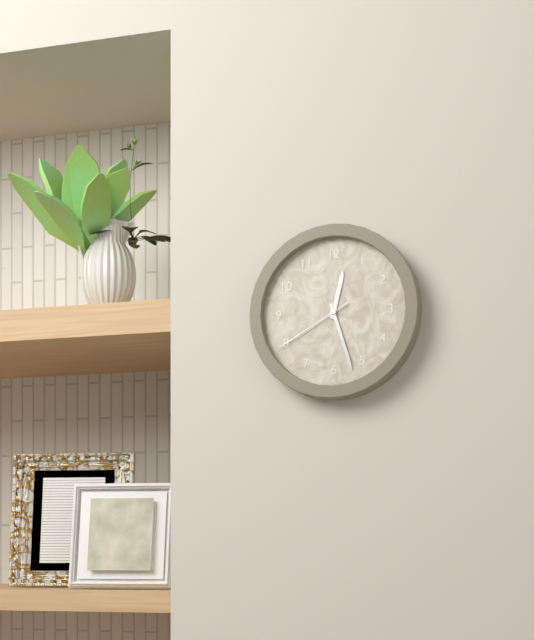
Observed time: 12:27:40
